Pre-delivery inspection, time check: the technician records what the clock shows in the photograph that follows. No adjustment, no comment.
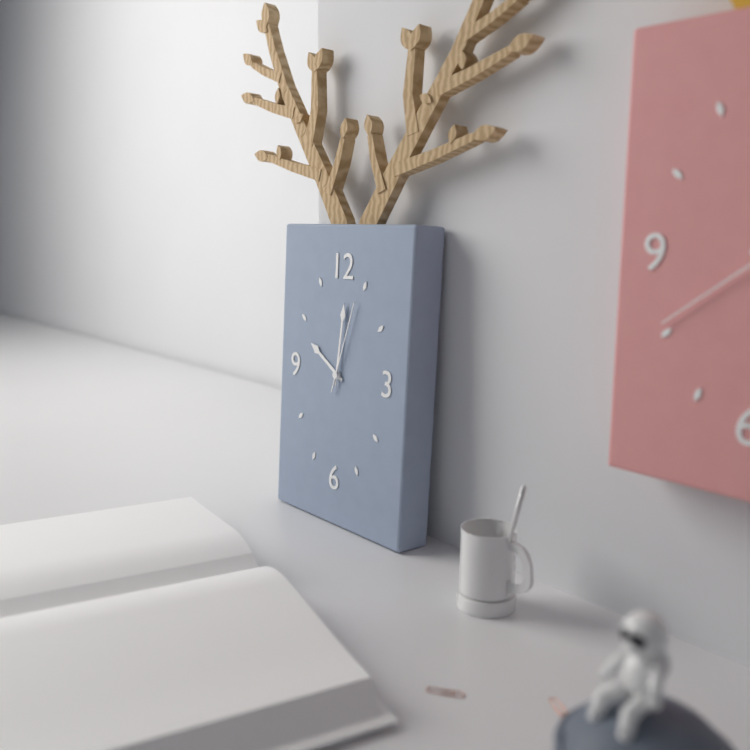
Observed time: 10:01:03
